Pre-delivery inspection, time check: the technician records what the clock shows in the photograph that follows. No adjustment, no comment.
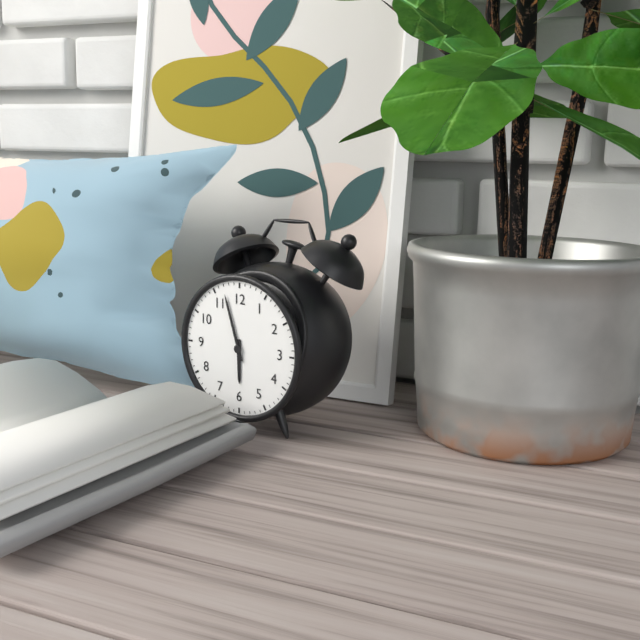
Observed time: 5:57
